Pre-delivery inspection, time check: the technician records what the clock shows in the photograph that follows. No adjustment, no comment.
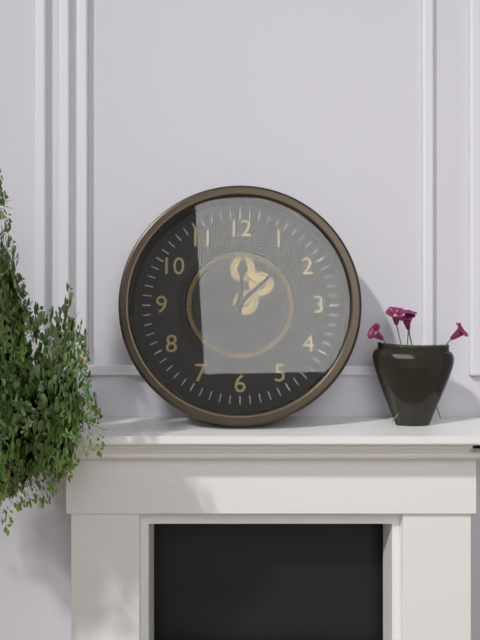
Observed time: 12:08
